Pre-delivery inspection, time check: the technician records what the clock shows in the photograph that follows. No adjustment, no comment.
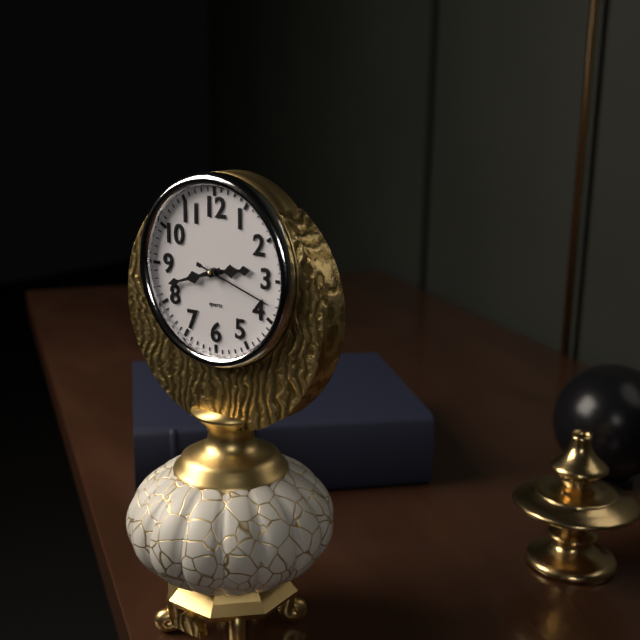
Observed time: 2:42:18
